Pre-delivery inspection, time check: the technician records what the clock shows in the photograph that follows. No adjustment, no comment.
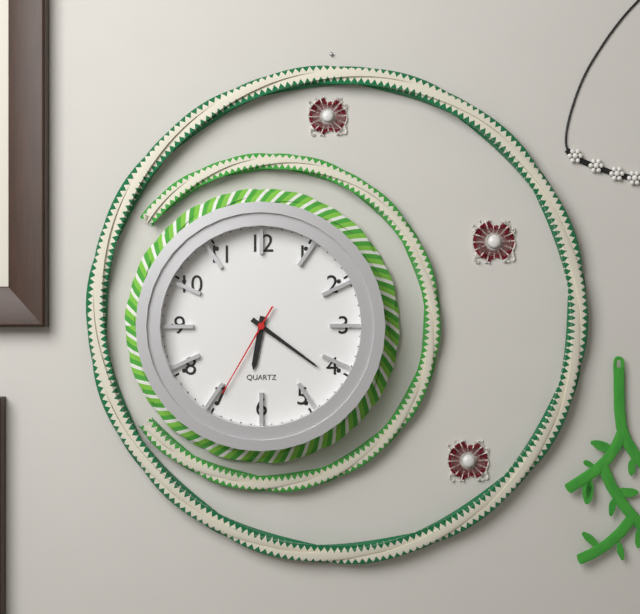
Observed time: 6:21:35
